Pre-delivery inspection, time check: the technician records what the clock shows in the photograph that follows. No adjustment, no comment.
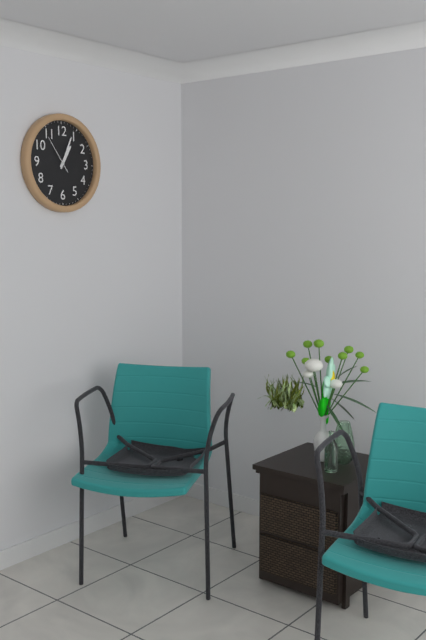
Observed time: 1:04
